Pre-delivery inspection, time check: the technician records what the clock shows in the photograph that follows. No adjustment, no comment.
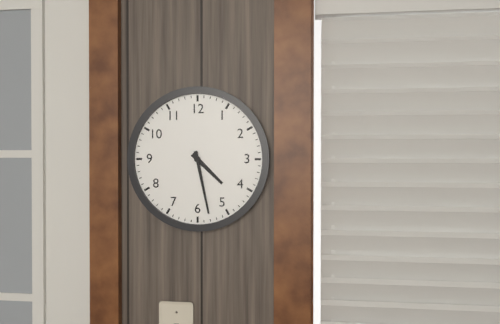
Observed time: 4:28
